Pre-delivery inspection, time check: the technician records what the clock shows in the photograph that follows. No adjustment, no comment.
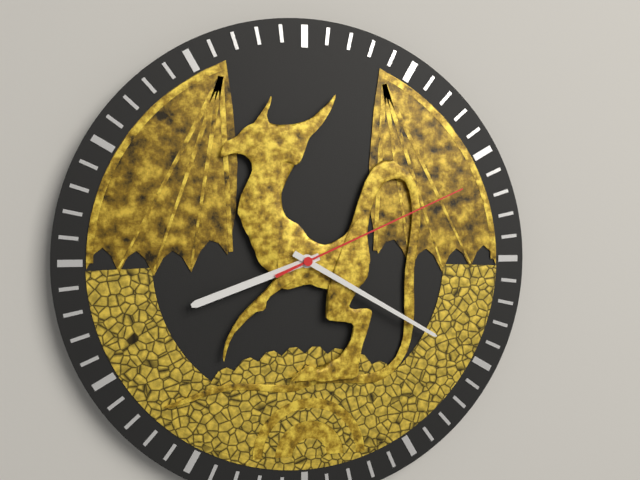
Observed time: 8:20:11
